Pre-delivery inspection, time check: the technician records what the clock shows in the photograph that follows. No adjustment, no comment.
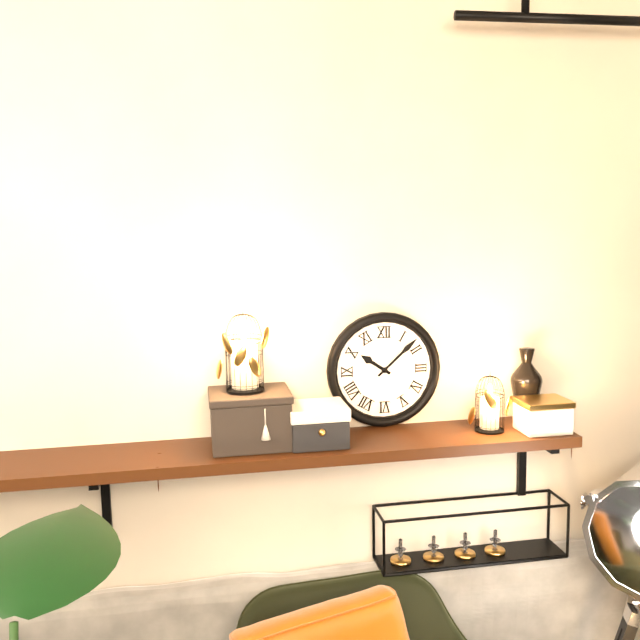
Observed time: 10:08
